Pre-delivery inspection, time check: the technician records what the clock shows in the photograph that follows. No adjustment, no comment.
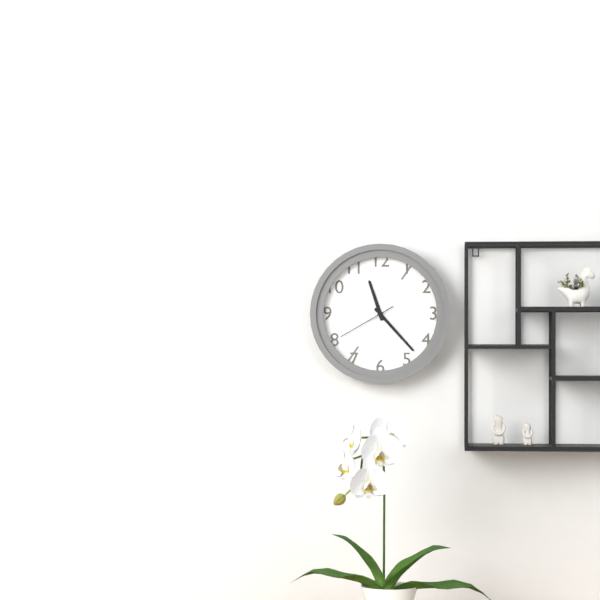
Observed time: 11:23:40
